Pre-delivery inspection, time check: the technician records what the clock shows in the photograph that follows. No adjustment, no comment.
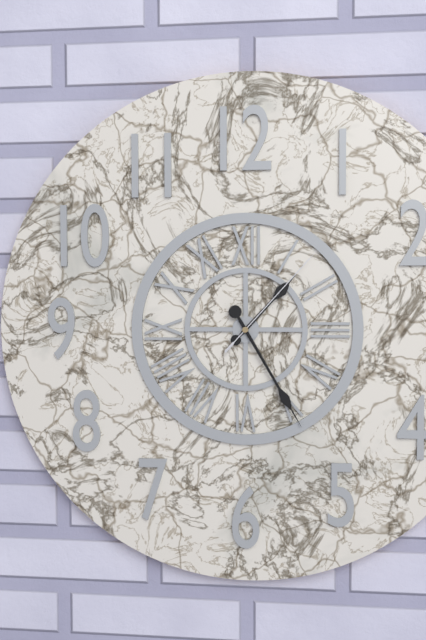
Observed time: 1:25:07
